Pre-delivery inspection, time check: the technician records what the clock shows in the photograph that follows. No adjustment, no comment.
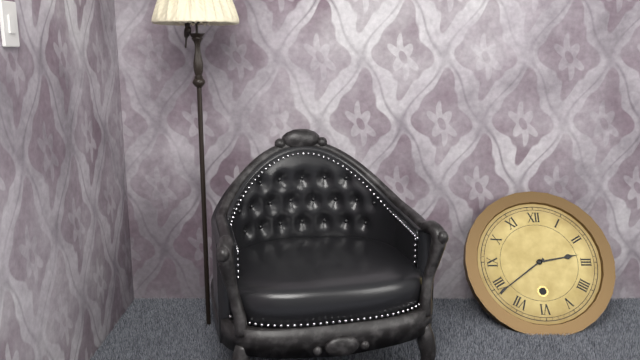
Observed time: 2:39
